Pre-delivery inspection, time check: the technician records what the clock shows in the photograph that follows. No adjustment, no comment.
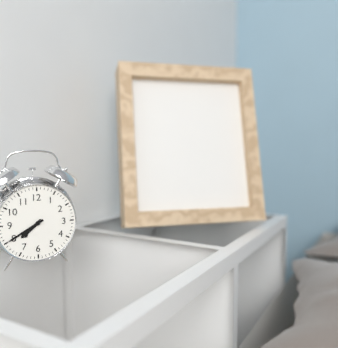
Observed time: 7:40
